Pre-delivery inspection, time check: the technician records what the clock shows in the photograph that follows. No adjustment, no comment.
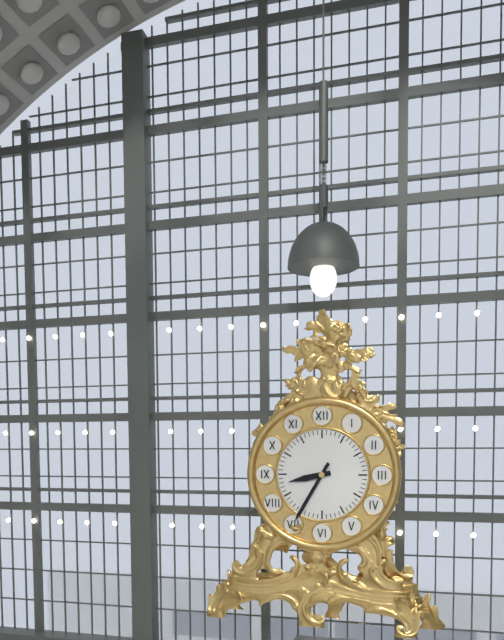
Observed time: 8:35
